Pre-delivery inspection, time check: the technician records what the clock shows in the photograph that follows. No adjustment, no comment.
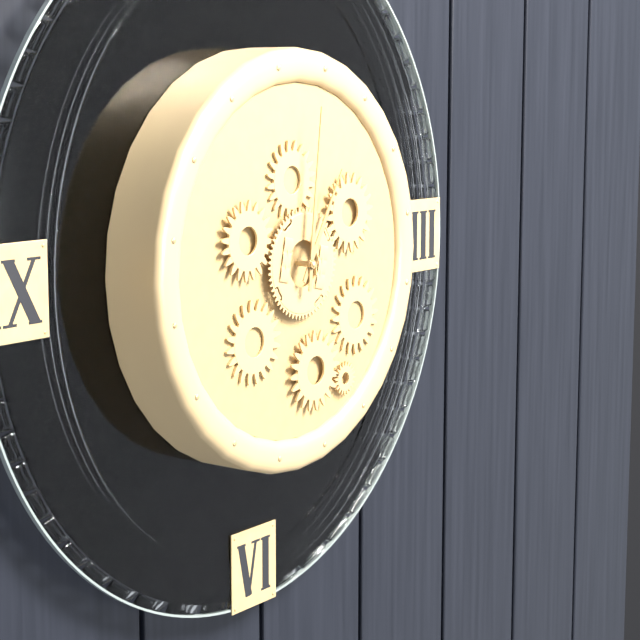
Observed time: 1:01
